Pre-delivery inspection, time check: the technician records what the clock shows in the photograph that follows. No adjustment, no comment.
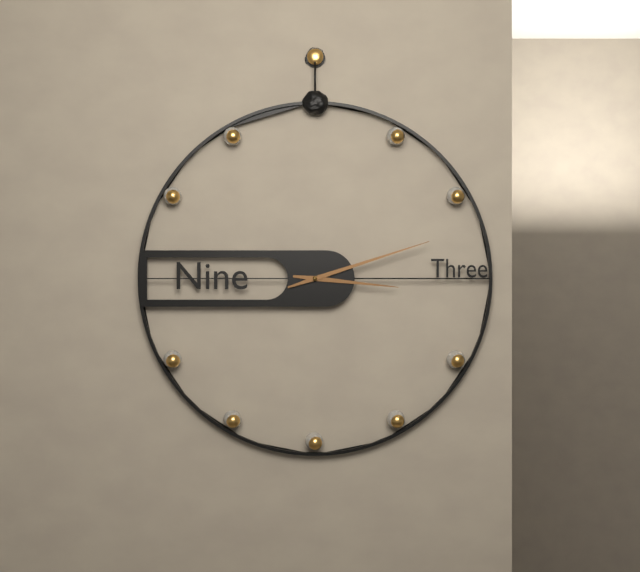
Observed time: 3:12
